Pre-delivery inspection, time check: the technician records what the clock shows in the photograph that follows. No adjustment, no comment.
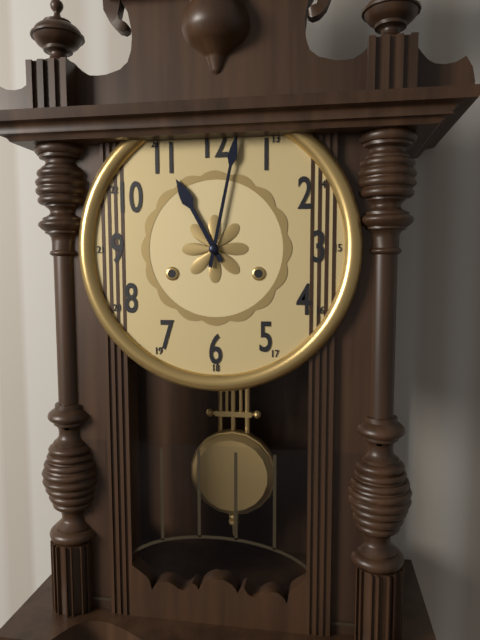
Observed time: 11:02
